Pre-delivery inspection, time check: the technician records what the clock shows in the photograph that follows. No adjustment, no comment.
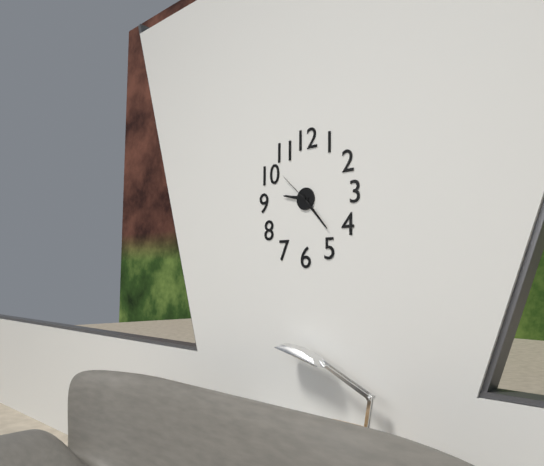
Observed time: 9:23
